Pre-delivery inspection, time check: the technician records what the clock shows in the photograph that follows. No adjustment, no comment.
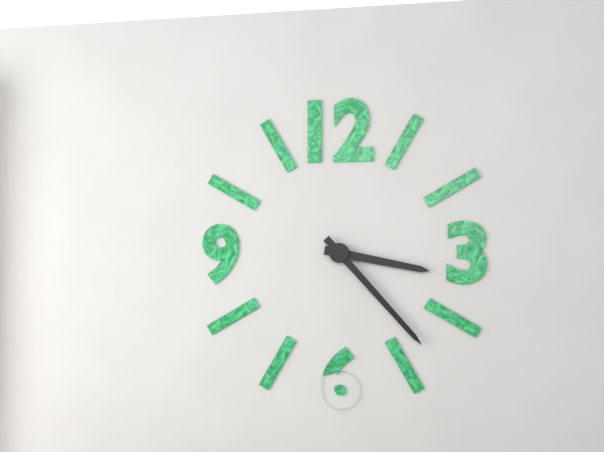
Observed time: 3:23
